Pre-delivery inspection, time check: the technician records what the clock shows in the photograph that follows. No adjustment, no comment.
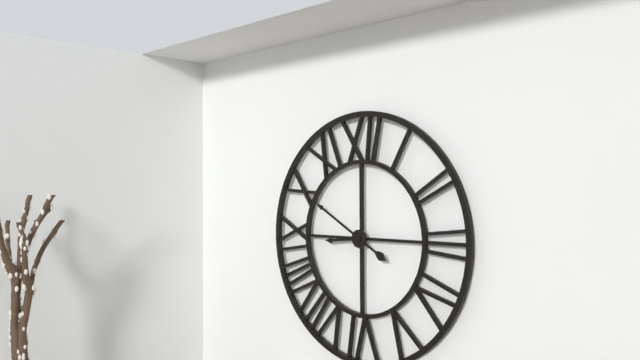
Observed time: 8:50
